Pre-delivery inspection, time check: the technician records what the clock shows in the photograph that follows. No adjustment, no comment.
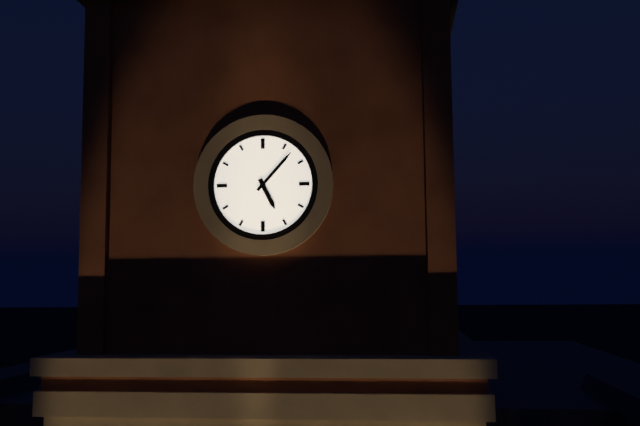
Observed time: 5:07
